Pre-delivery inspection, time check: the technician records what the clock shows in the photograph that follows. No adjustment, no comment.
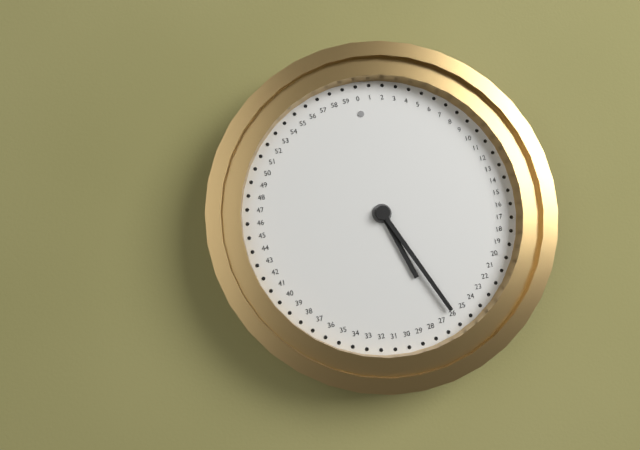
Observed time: 5:26
